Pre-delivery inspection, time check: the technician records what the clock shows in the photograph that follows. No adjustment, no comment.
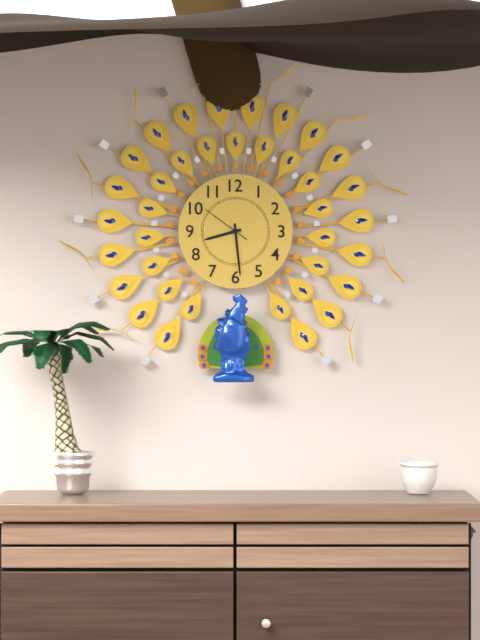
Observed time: 8:29
